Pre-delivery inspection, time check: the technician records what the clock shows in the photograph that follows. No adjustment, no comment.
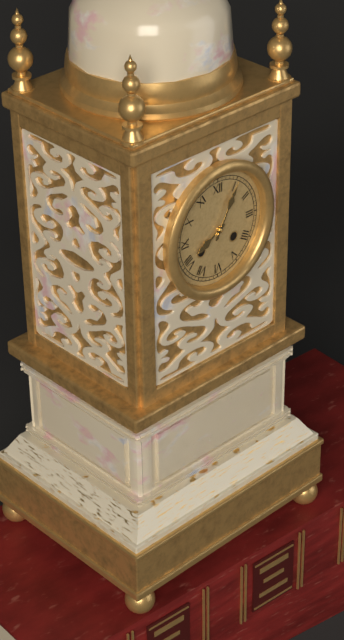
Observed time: 8:05
